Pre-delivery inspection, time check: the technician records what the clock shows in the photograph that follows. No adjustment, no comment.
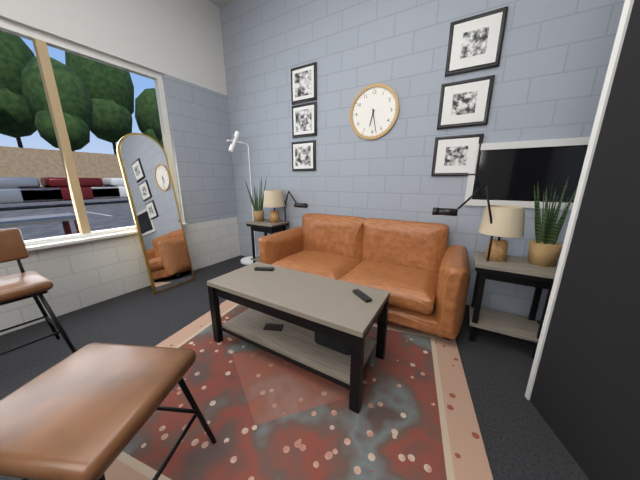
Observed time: 6:28
